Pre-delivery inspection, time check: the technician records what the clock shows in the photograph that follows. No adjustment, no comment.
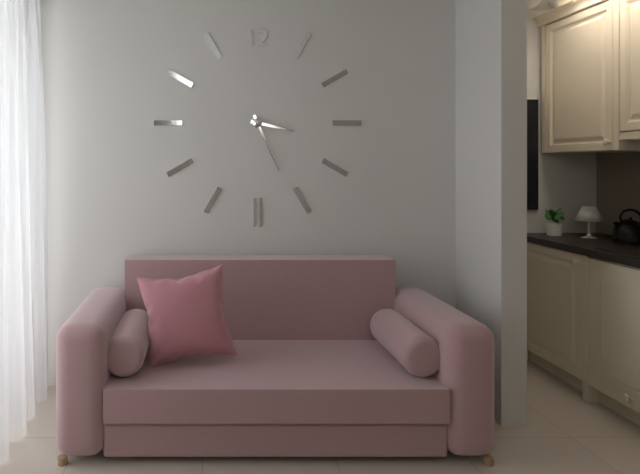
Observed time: 3:26
